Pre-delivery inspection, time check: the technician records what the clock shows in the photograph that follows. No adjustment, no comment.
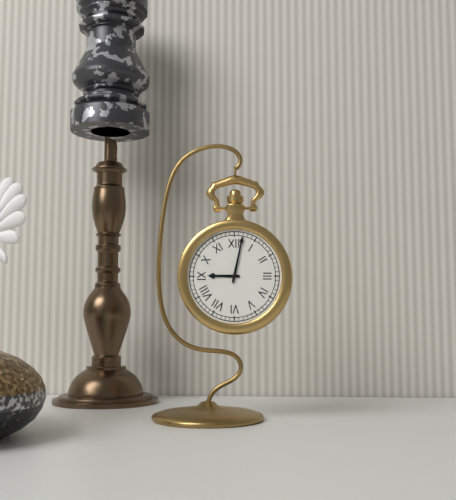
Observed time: 9:02
